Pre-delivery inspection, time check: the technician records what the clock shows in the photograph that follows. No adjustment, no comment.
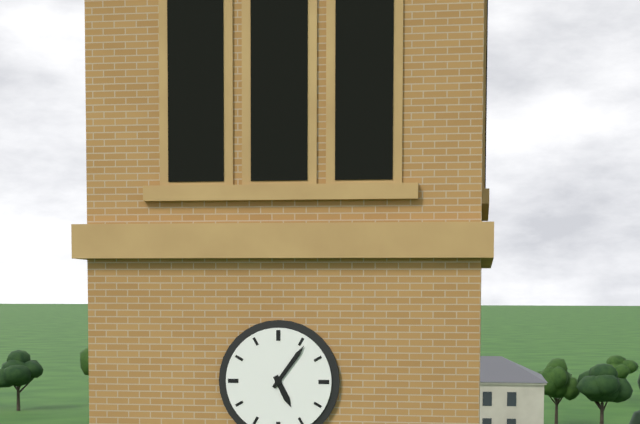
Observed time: 5:06
